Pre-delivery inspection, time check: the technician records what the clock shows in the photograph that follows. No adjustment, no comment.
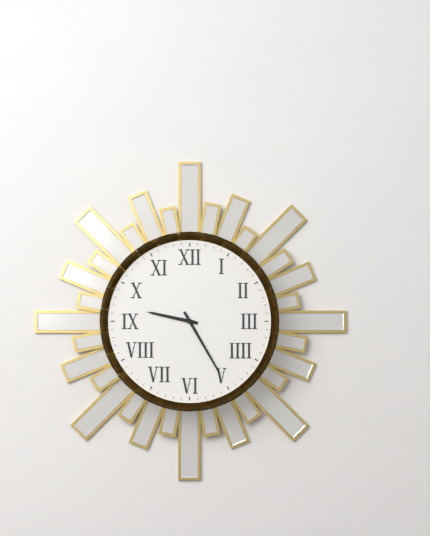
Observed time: 9:25
